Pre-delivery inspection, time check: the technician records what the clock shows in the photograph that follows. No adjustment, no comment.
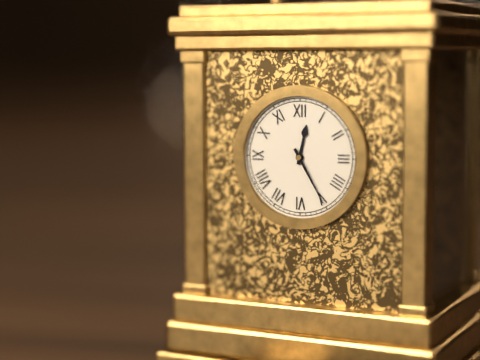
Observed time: 12:25
